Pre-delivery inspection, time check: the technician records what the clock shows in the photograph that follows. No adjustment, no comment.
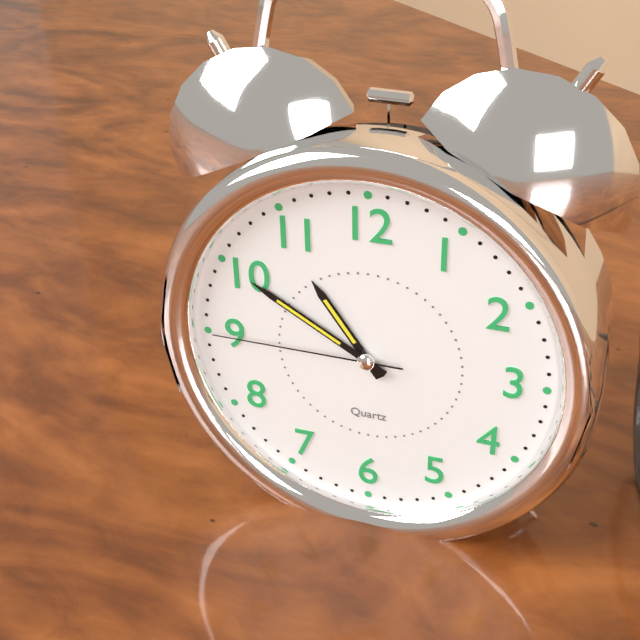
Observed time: 10:50:45
